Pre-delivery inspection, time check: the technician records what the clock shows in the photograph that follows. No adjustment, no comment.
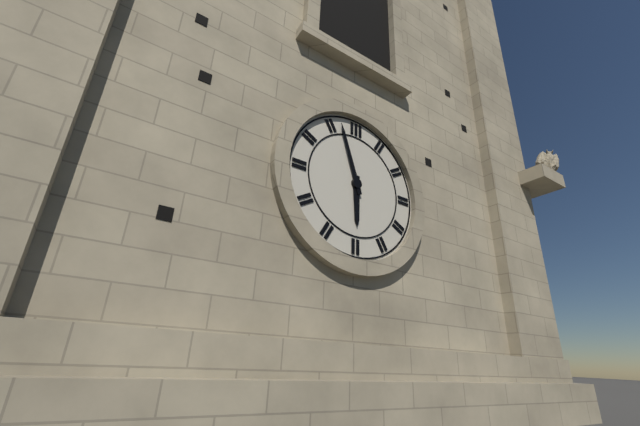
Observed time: 5:57
